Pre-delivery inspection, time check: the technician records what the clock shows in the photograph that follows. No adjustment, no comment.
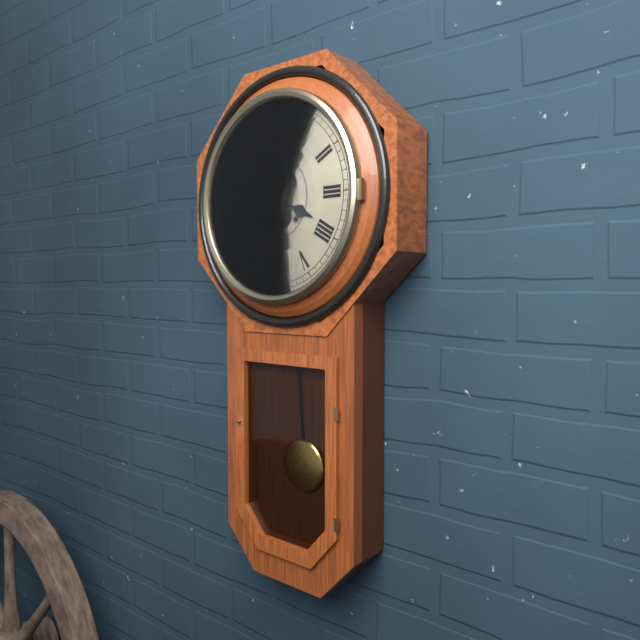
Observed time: 3:48
